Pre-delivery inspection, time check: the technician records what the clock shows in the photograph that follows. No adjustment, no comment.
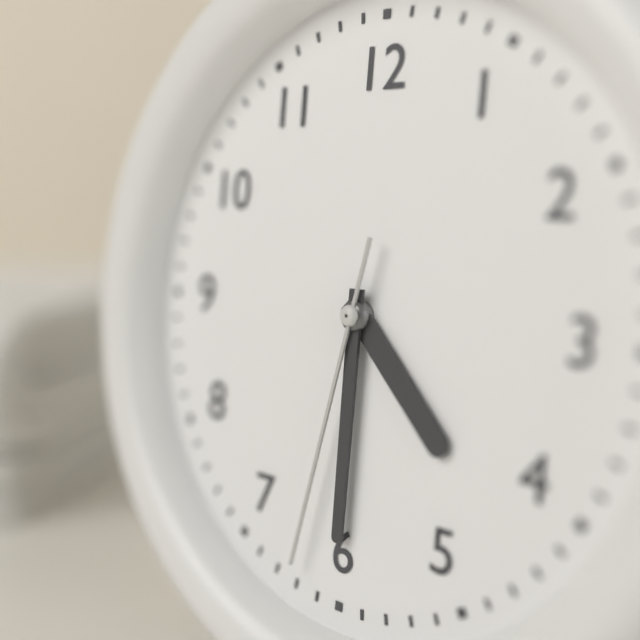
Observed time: 4:30:32
